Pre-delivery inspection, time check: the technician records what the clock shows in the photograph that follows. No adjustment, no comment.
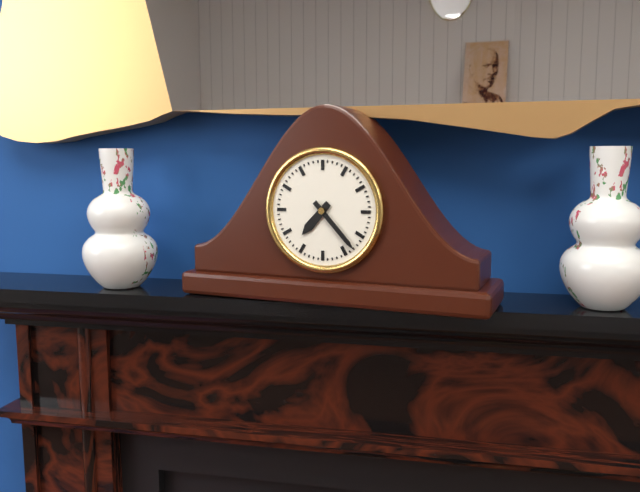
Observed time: 7:23
